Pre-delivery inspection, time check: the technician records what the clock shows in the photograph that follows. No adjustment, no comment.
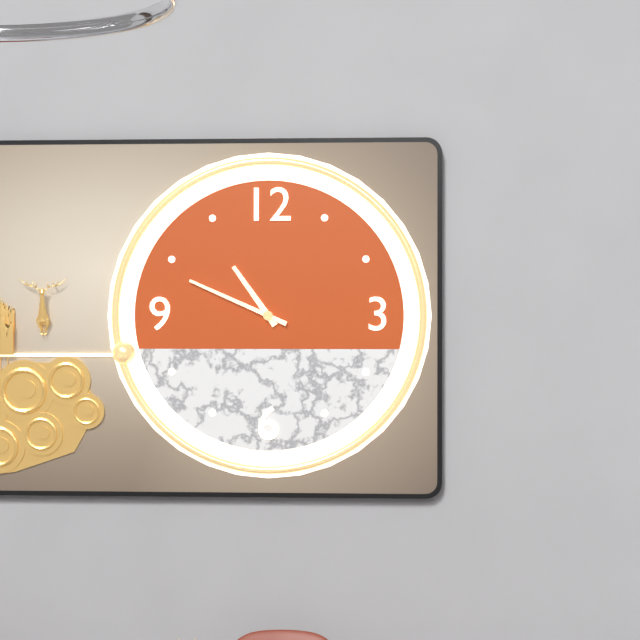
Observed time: 10:49
